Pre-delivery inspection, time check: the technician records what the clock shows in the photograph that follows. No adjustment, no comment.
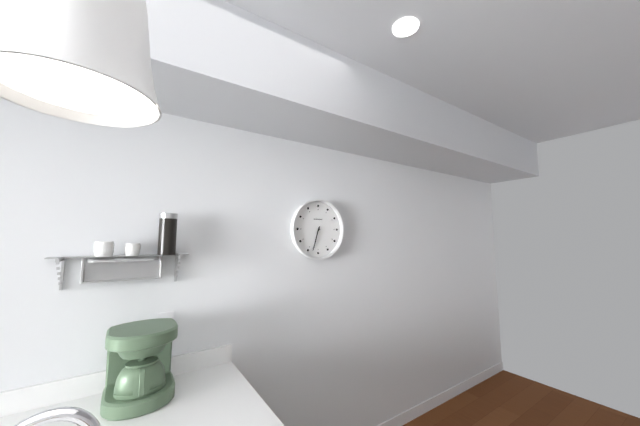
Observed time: 6:33
